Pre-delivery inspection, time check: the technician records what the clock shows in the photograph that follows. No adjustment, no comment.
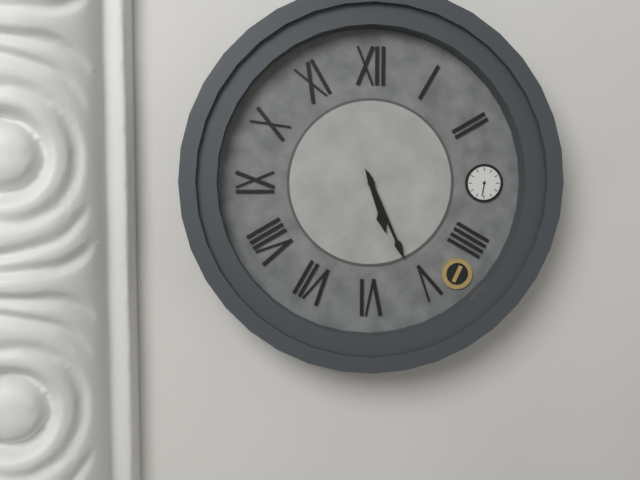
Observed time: 5:26
